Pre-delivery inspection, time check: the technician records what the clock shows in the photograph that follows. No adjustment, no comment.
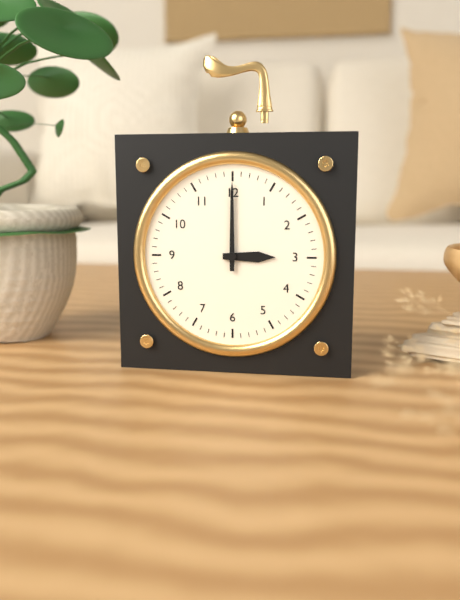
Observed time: 3:00
